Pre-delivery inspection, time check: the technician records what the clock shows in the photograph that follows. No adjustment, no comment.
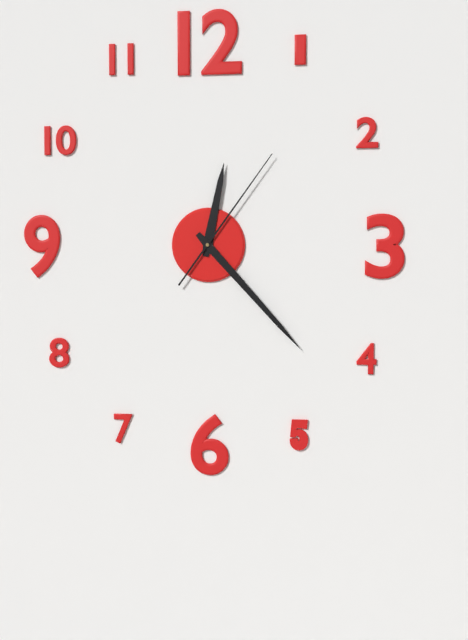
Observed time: 12:23:06
